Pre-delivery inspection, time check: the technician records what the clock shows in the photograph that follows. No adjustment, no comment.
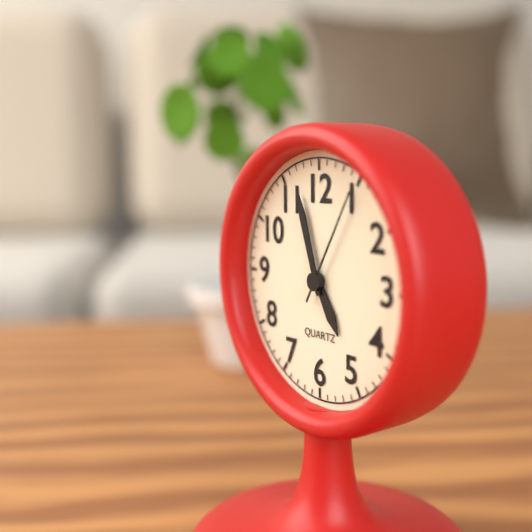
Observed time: 4:57:05
